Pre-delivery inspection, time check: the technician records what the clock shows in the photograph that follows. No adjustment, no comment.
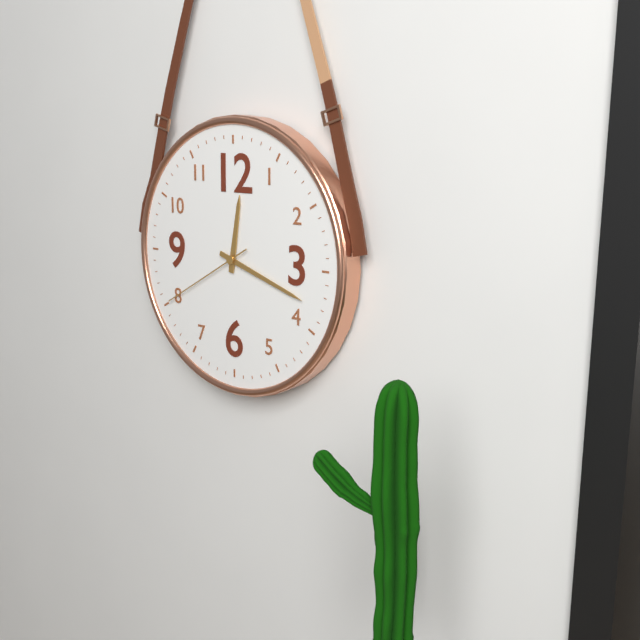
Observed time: 12:18:40
